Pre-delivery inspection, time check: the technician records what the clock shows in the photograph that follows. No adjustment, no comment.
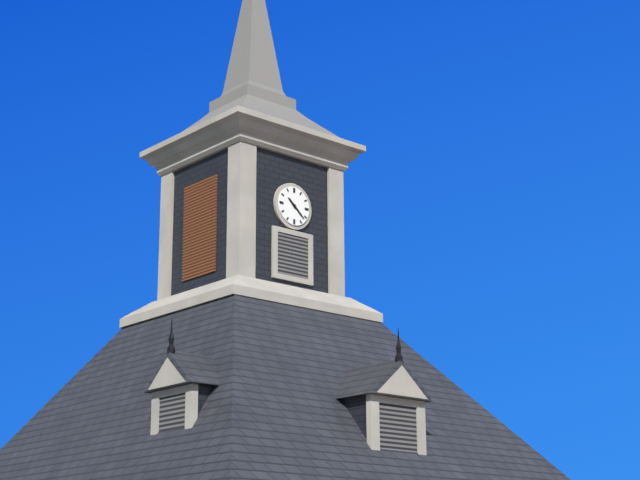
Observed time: 10:22
